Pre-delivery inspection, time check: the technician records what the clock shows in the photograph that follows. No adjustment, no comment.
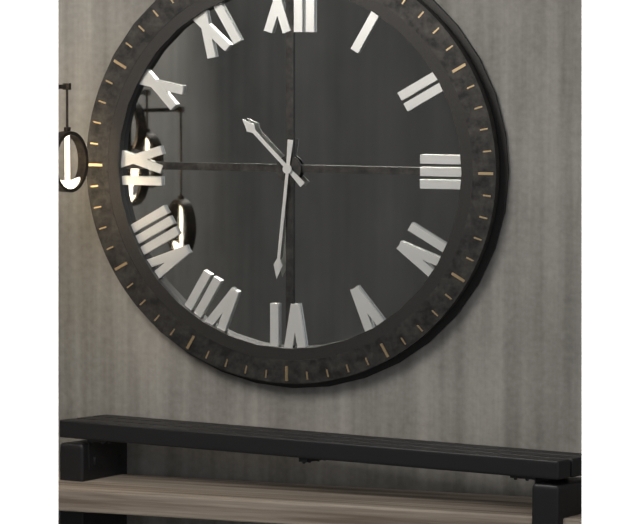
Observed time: 10:31
